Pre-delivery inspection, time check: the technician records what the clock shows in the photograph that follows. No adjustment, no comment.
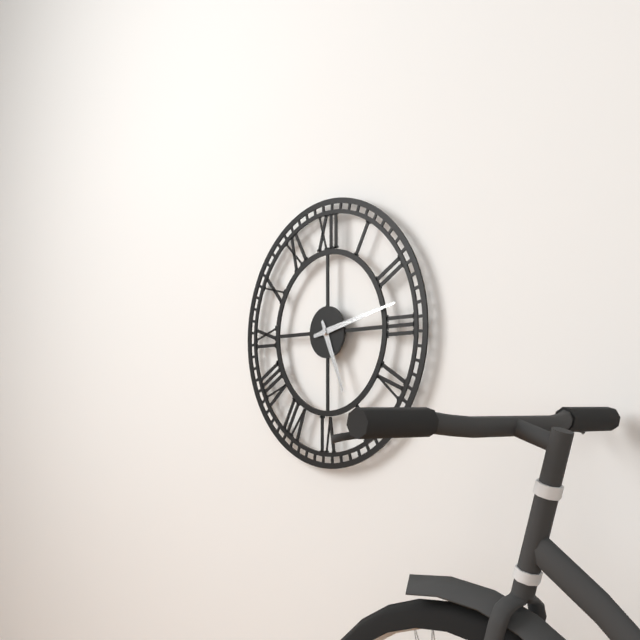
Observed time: 5:13
